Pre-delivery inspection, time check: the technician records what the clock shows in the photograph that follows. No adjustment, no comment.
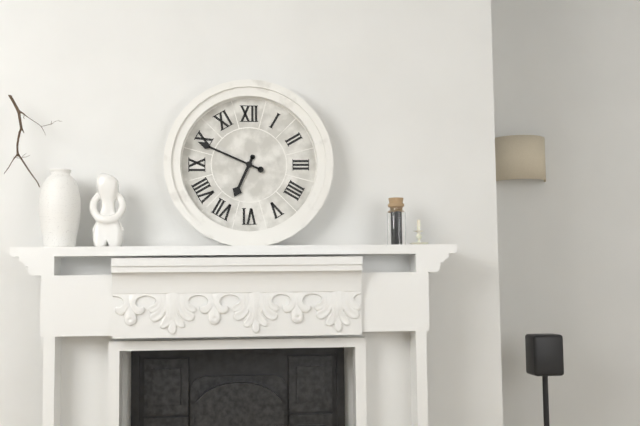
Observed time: 6:49
